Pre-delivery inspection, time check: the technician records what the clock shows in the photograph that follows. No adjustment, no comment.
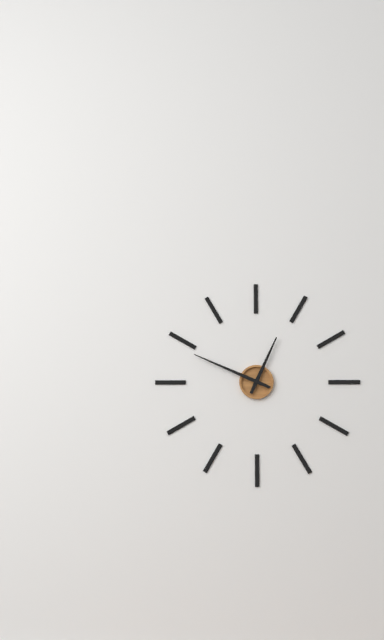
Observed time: 12:49
